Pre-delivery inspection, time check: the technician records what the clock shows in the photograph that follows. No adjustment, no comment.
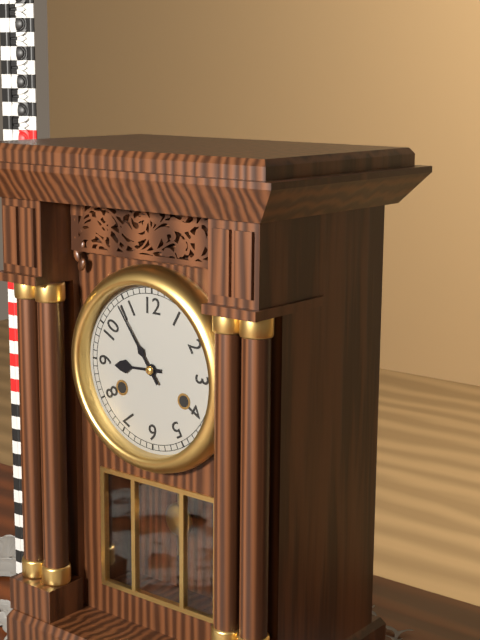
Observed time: 8:54
